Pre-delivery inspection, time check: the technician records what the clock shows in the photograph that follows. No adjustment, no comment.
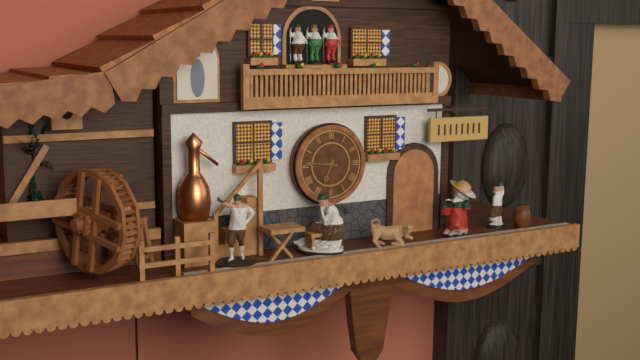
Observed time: 6:46
